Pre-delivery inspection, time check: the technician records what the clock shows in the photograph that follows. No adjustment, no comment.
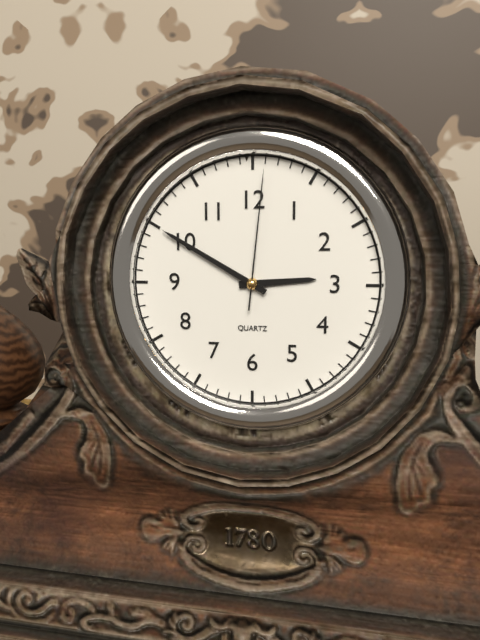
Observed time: 2:50:01
